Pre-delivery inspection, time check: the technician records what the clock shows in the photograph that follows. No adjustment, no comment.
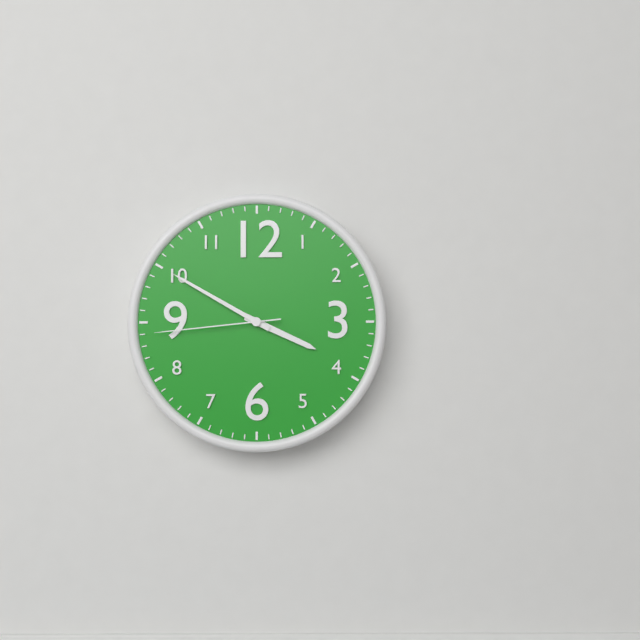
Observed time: 3:50:44
